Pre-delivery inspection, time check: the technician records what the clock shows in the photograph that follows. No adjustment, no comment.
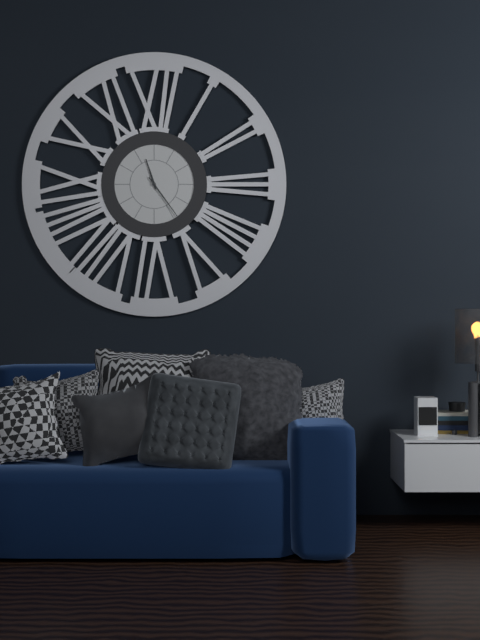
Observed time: 11:24
